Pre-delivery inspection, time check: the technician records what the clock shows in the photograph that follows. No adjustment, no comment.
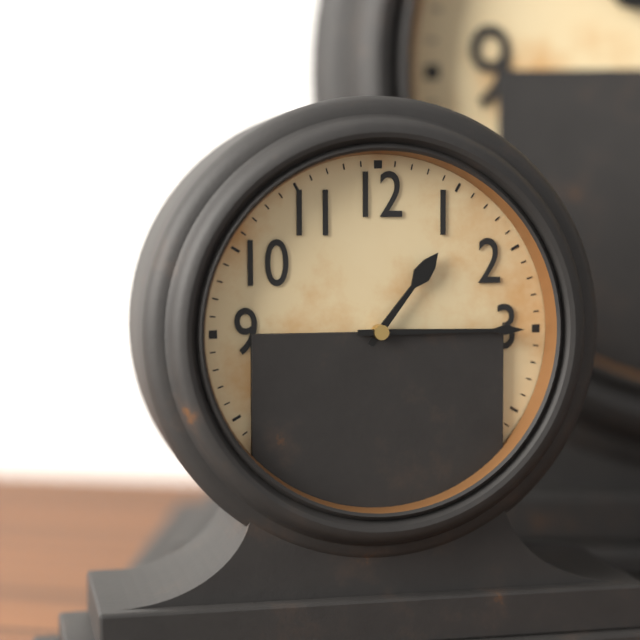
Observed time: 1:15
